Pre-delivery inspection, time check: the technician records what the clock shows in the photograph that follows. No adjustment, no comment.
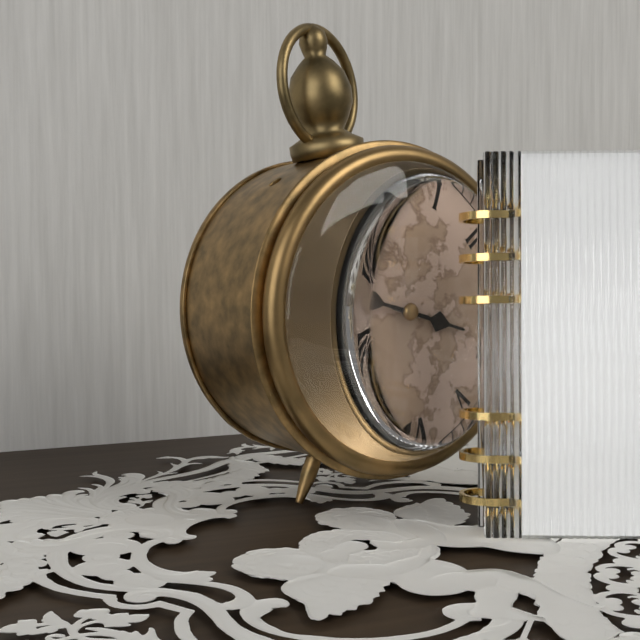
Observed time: 3:49
